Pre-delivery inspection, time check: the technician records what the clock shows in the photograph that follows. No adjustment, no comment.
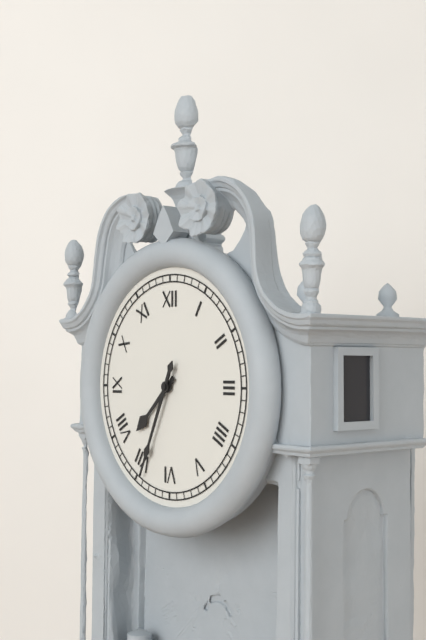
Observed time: 7:34
